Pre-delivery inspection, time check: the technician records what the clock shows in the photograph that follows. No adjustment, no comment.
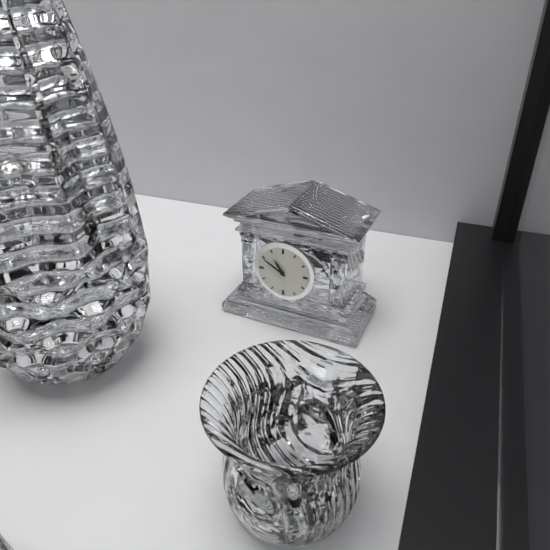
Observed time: 10:50
